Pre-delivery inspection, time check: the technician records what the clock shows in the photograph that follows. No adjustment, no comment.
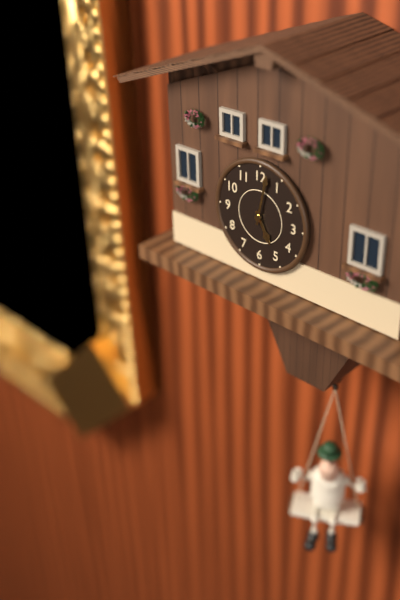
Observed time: 5:02
